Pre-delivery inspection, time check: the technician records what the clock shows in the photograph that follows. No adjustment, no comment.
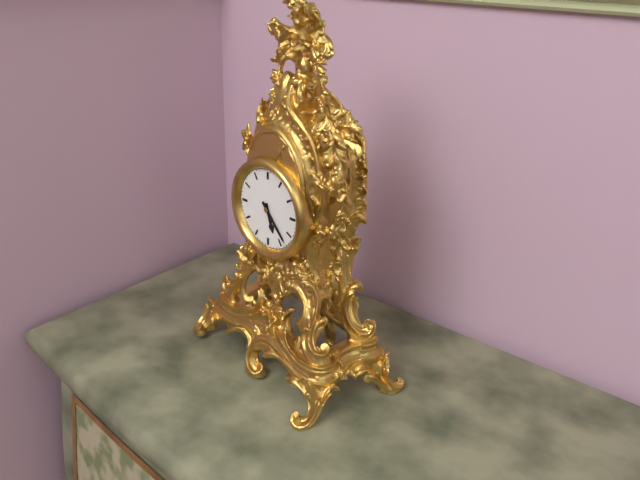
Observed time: 5:23
